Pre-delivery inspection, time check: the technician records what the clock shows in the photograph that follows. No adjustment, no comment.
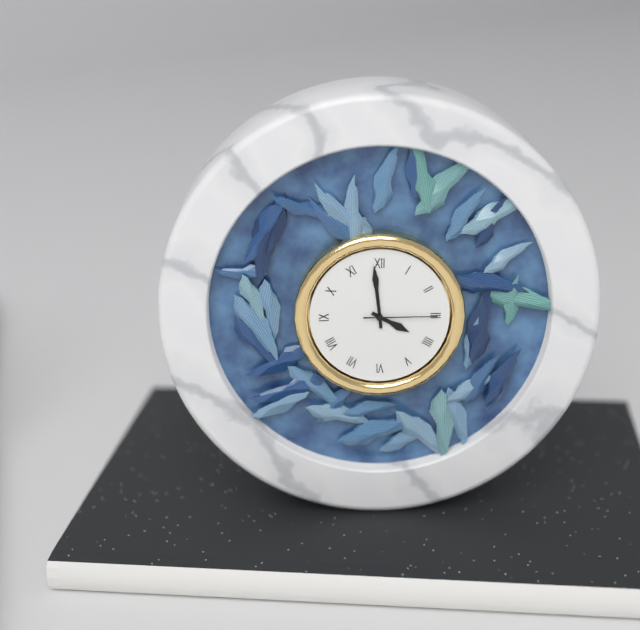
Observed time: 3:59:15
